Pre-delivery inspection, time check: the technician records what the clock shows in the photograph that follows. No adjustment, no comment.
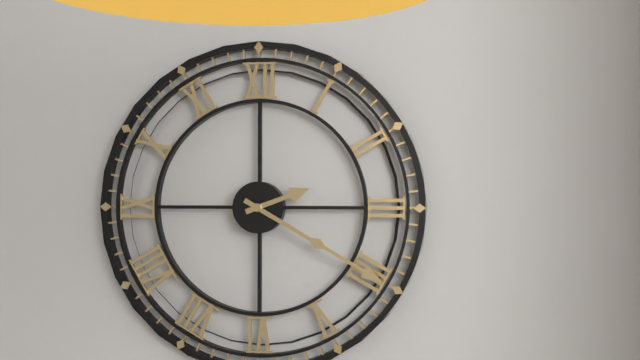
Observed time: 2:20
